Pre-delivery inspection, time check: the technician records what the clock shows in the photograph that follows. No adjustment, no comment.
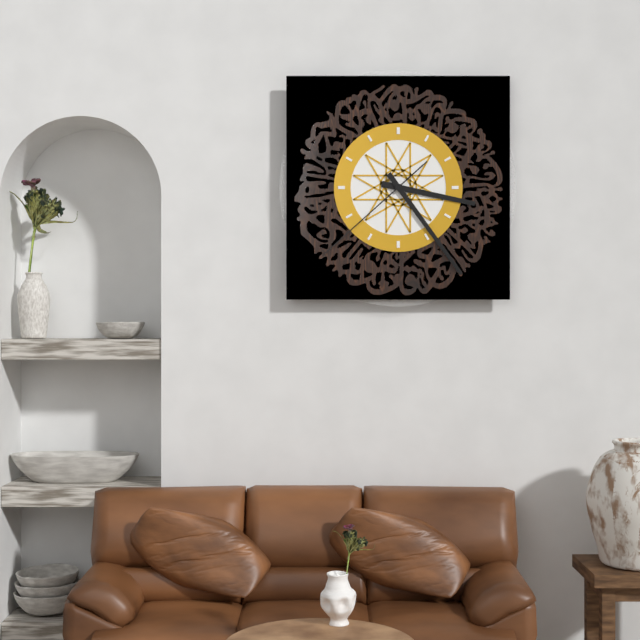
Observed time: 3:24:38
